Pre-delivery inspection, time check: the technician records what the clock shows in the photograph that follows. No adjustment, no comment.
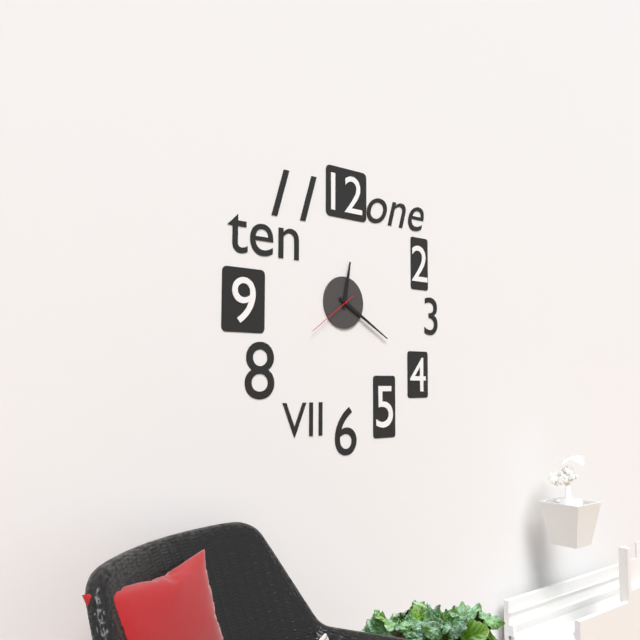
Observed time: 12:20:39
